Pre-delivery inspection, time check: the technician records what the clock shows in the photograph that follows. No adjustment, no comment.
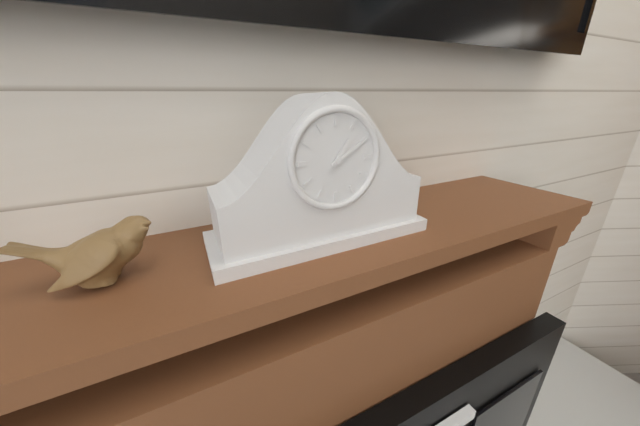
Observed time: 1:10
